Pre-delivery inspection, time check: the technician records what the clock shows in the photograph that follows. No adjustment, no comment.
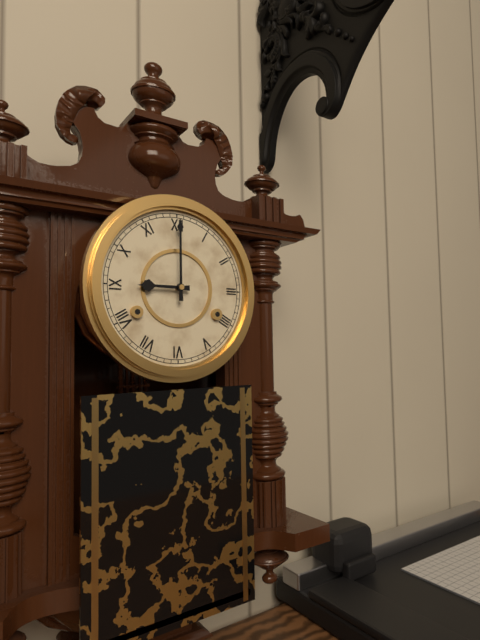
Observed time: 9:00
